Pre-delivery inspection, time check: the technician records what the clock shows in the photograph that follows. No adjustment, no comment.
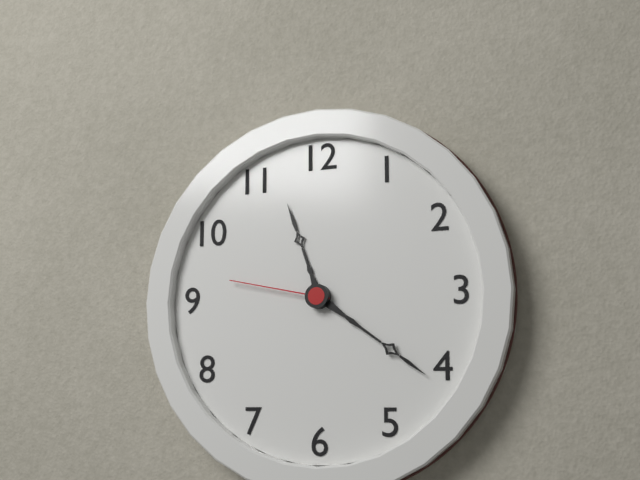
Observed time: 11:21:47
